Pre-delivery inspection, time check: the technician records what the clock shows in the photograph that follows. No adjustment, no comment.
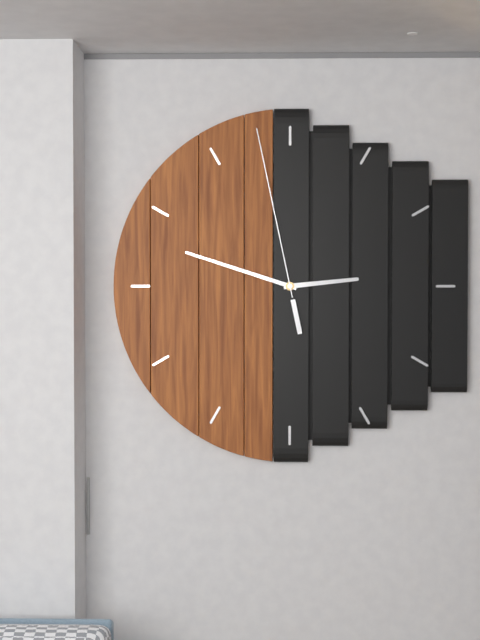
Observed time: 2:48:58
